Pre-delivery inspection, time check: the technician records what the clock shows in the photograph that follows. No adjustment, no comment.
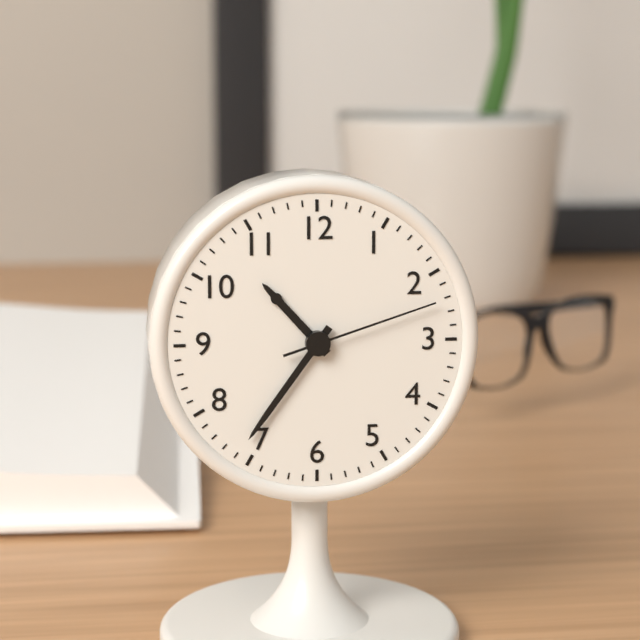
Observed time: 10:36:12
